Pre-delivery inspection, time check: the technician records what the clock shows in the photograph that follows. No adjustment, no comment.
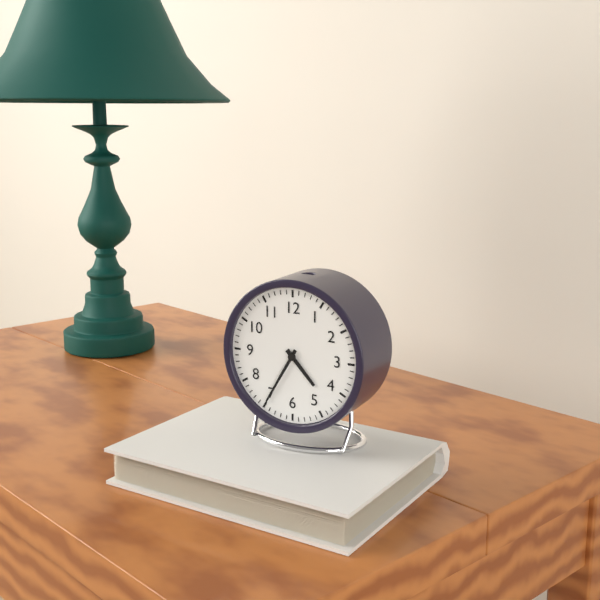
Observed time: 4:35
